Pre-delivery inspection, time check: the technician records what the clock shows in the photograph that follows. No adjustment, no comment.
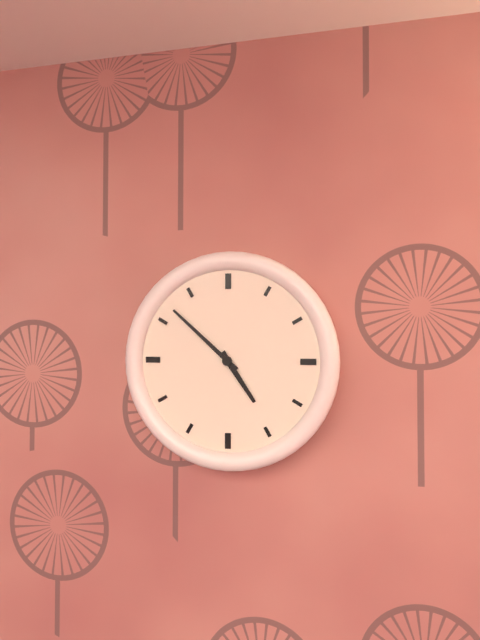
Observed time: 4:52
